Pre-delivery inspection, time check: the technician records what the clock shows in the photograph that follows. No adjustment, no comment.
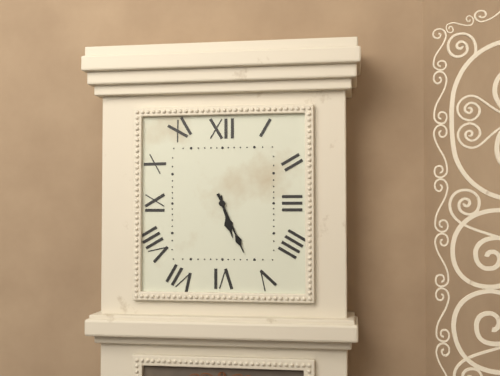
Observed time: 5:26
